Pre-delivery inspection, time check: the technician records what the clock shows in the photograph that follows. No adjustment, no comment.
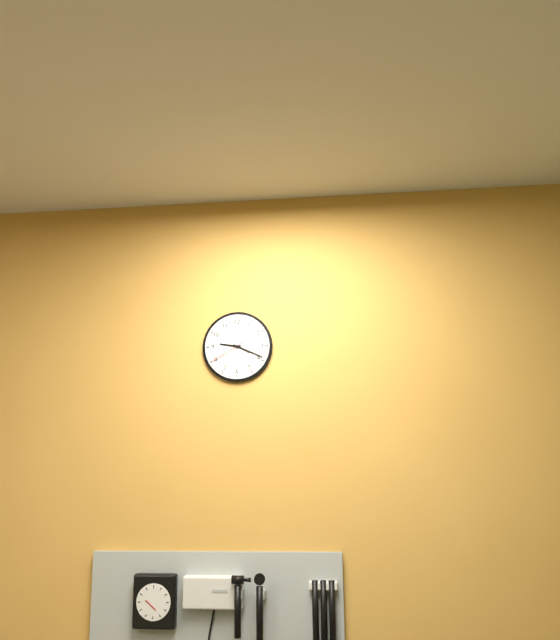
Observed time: 9:19
